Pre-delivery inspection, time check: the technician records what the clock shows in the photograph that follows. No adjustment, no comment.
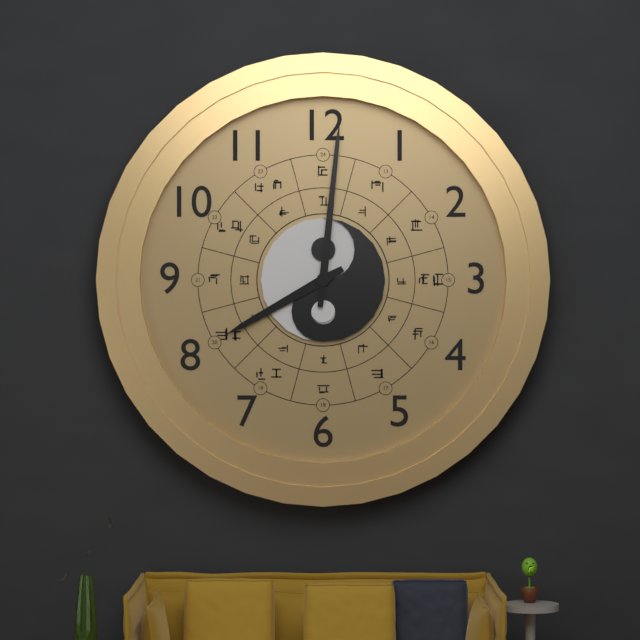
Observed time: 8:01
